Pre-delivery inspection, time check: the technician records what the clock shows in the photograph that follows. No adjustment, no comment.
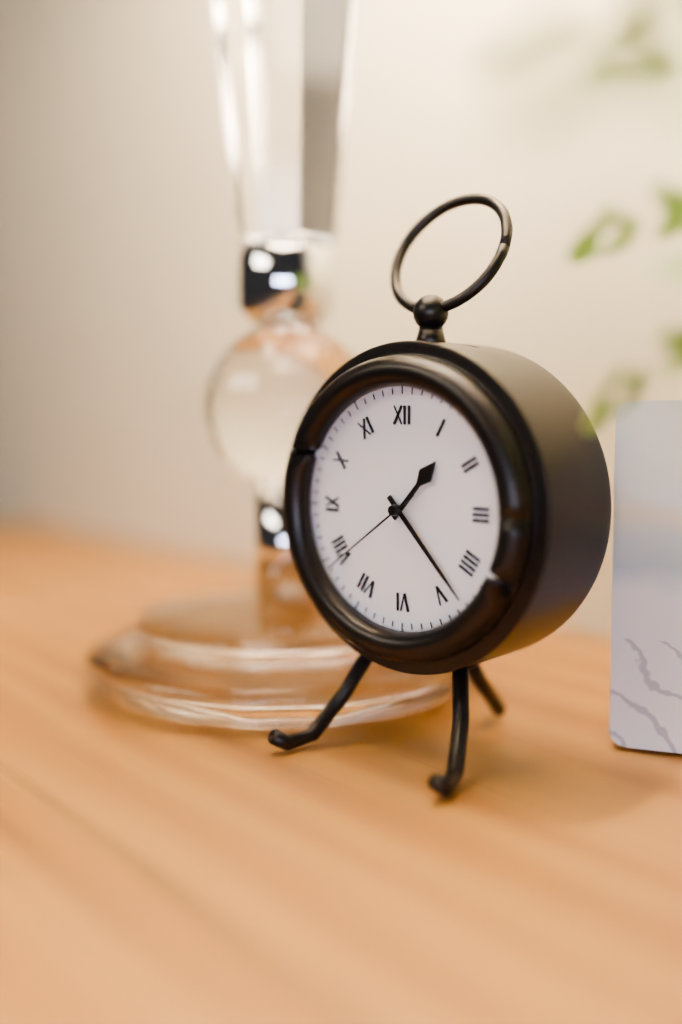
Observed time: 1:23:39
